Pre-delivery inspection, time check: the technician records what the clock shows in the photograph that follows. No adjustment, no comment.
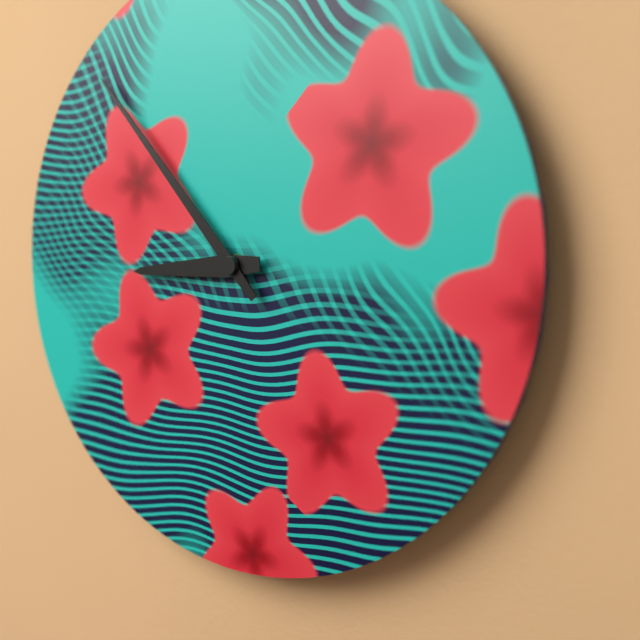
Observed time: 8:53
